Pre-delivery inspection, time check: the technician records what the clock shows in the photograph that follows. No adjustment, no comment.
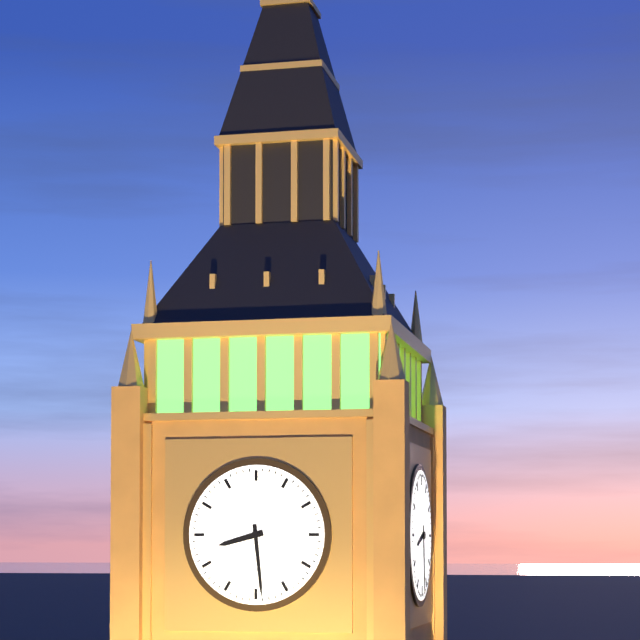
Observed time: 8:29
